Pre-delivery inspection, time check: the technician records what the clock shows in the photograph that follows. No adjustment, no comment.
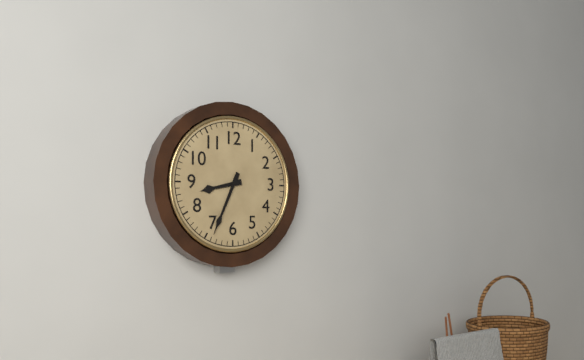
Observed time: 8:34
